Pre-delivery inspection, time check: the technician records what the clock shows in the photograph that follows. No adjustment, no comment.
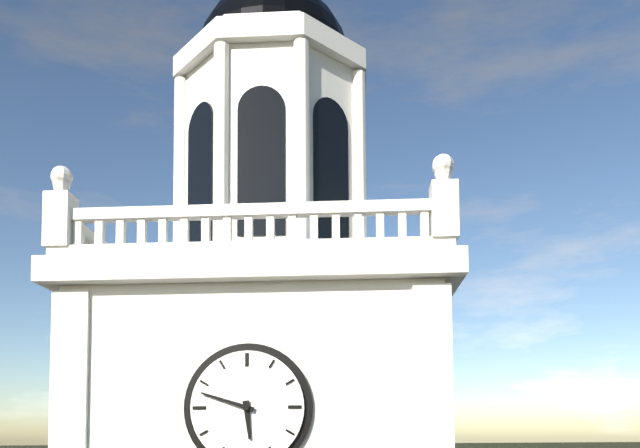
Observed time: 5:48
